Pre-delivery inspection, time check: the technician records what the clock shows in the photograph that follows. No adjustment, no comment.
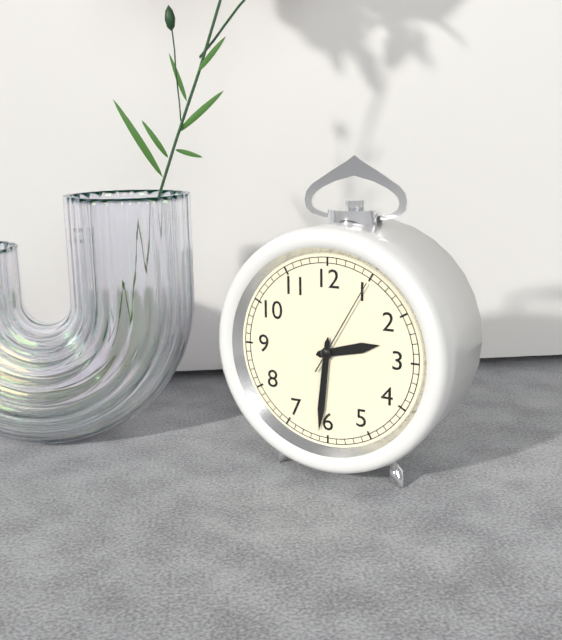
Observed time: 2:31:05
